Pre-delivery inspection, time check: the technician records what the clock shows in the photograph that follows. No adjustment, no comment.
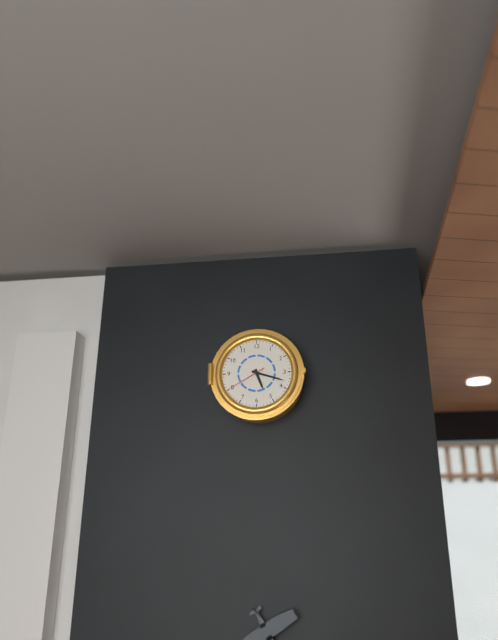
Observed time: 5:18
